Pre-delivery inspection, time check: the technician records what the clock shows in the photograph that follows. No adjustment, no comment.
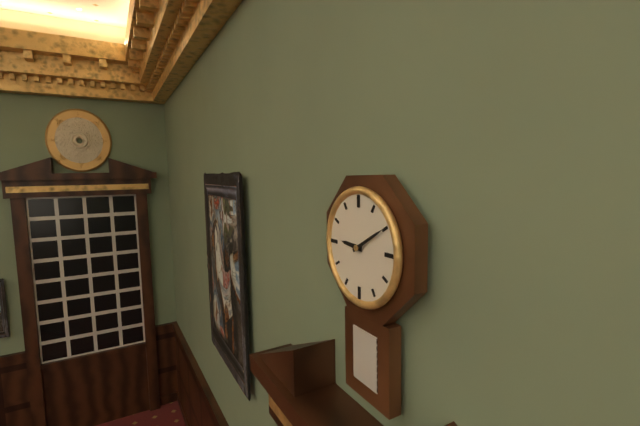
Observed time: 9:10
